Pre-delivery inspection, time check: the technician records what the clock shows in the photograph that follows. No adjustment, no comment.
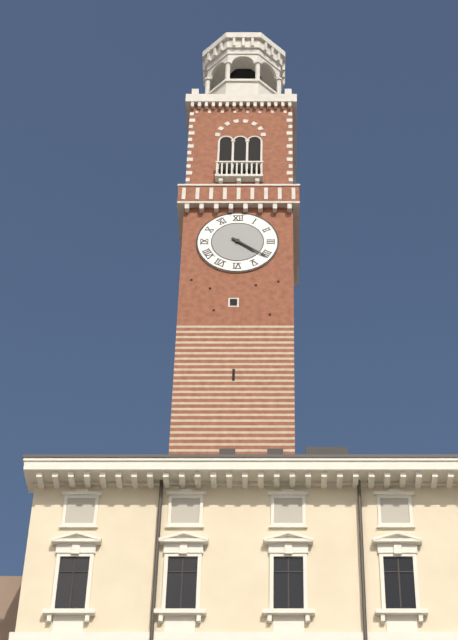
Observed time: 4:21
